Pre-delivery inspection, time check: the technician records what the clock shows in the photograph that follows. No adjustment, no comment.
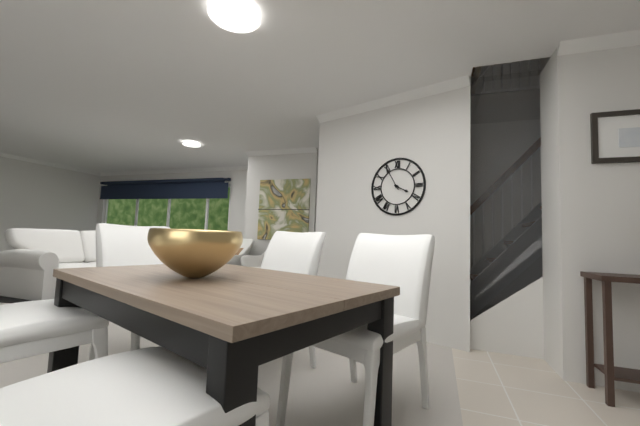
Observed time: 3:55
